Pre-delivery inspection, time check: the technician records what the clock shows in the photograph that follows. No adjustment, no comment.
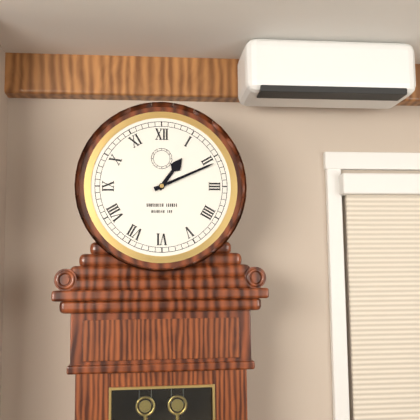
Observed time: 1:11
